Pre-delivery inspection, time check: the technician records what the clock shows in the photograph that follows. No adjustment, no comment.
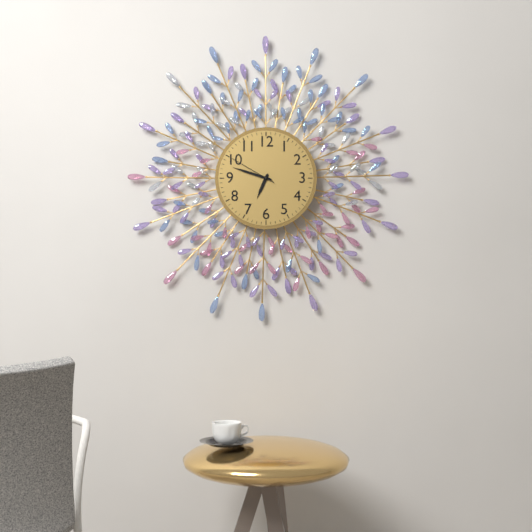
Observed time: 6:48:50
